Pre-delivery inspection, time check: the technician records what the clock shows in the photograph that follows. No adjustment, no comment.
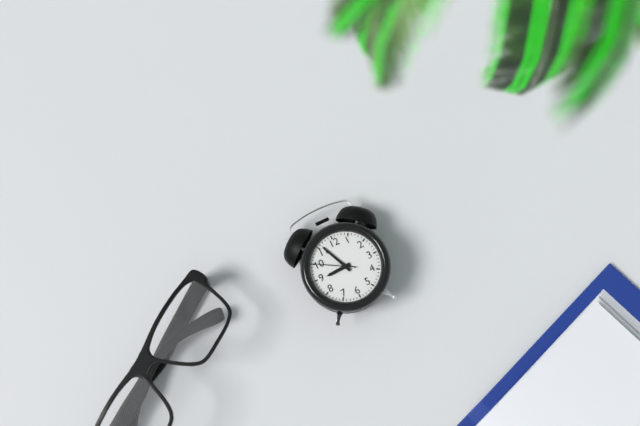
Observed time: 8:56
